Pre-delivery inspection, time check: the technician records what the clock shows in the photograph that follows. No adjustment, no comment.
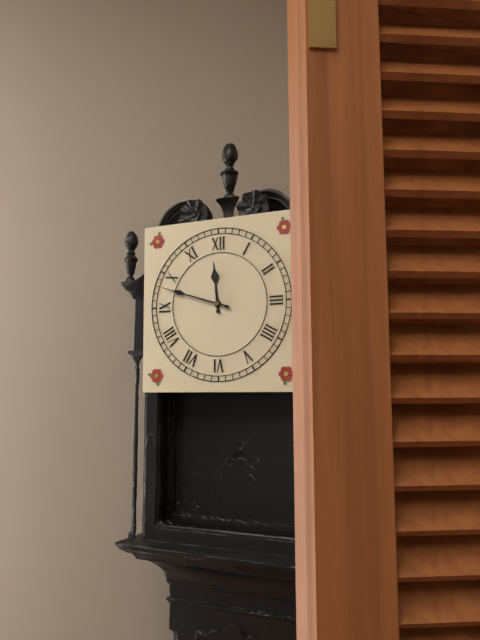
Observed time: 11:48
